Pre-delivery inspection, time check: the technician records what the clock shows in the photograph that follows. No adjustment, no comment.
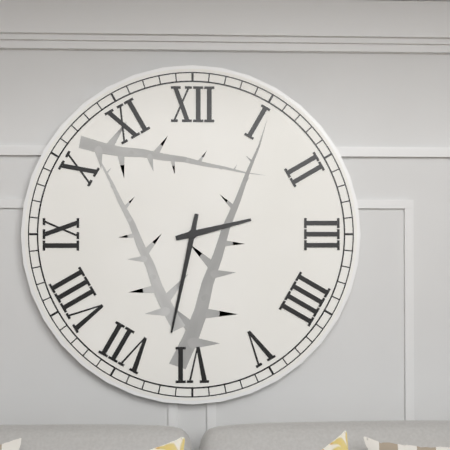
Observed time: 2:32
